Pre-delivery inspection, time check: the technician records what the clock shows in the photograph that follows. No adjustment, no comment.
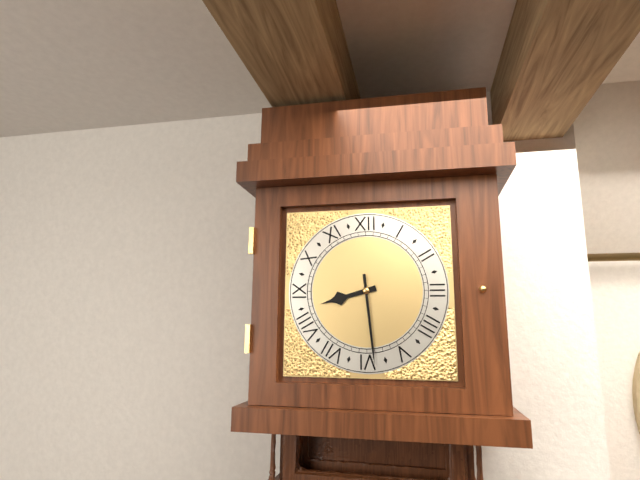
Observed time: 8:29
